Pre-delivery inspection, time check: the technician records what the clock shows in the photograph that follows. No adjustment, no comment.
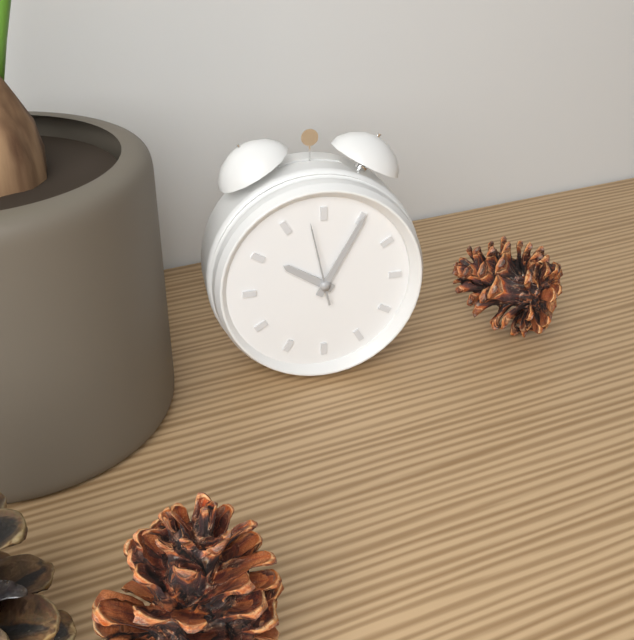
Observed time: 10:05:58
